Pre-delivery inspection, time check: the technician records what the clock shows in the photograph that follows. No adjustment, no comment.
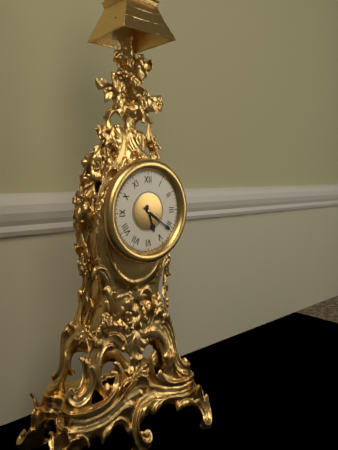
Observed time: 5:21
